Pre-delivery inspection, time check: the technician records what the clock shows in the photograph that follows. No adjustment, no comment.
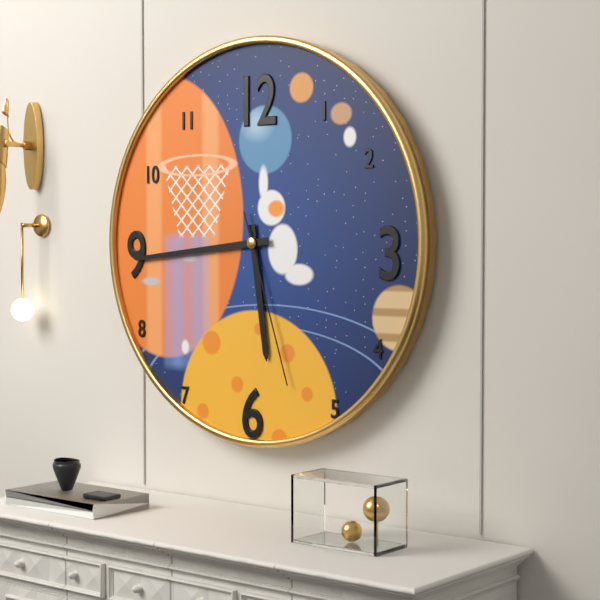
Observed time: 5:44:27
